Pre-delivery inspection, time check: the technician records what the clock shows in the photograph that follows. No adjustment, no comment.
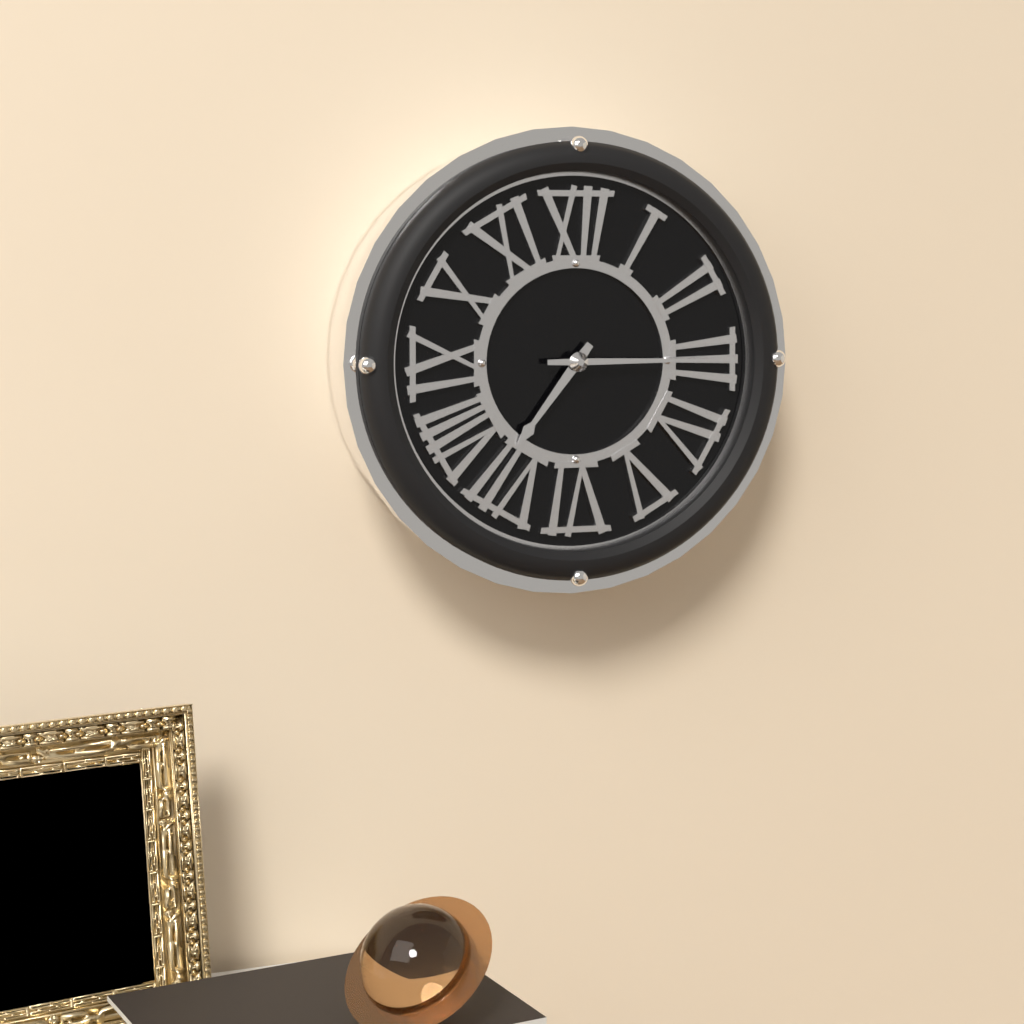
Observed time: 7:15
